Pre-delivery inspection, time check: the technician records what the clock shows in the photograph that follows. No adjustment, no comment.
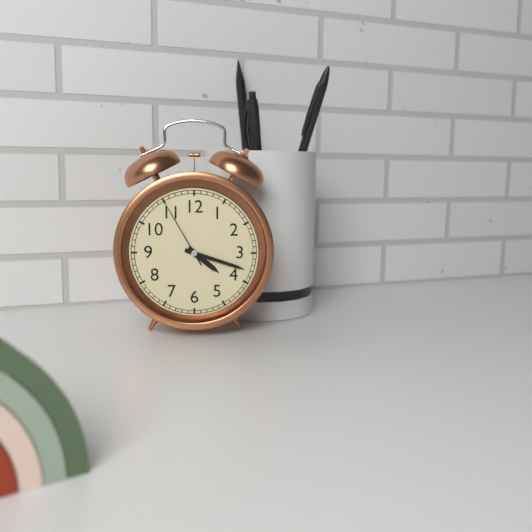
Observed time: 4:18:55
